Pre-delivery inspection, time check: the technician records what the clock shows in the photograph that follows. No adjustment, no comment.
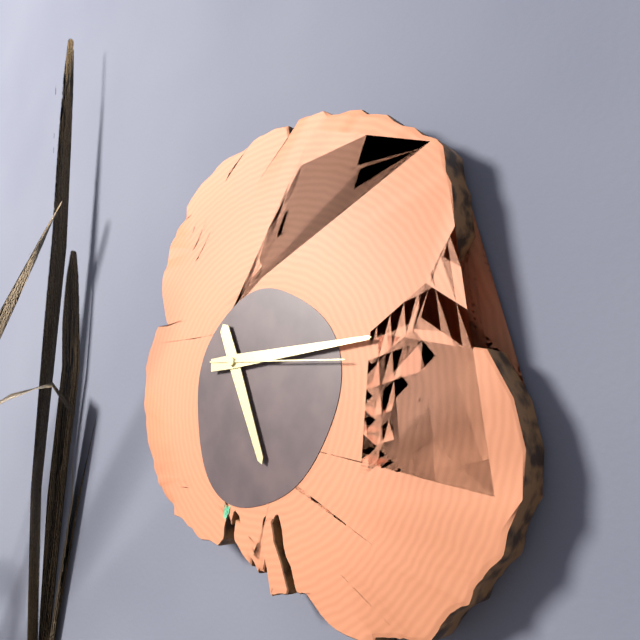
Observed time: 5:15:16
